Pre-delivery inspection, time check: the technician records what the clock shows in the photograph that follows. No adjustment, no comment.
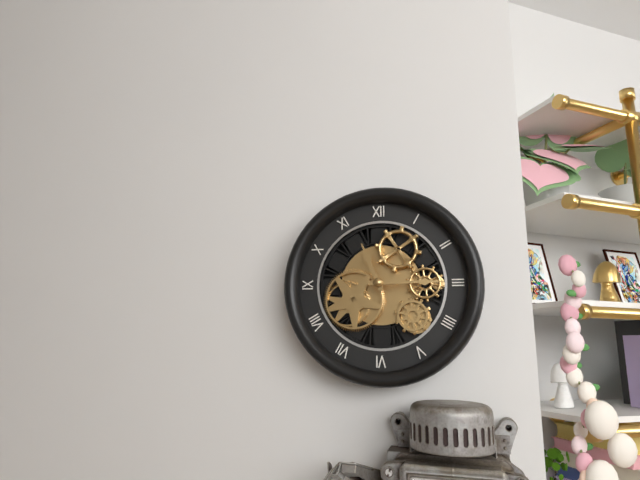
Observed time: 11:15
